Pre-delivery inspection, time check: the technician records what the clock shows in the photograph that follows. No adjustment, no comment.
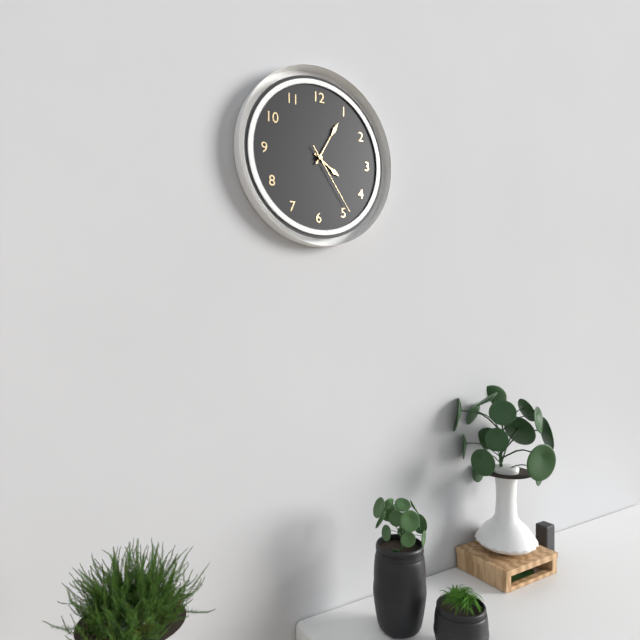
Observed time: 4:05:24
